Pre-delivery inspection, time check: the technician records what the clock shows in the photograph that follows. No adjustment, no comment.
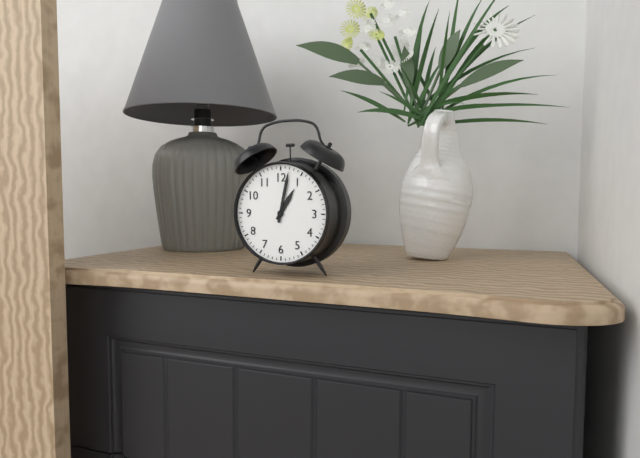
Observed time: 1:02
